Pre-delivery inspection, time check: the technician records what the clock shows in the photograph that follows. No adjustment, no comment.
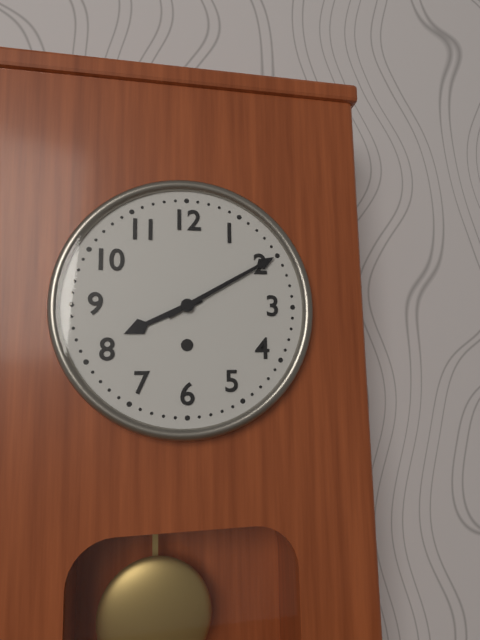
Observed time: 8:10
